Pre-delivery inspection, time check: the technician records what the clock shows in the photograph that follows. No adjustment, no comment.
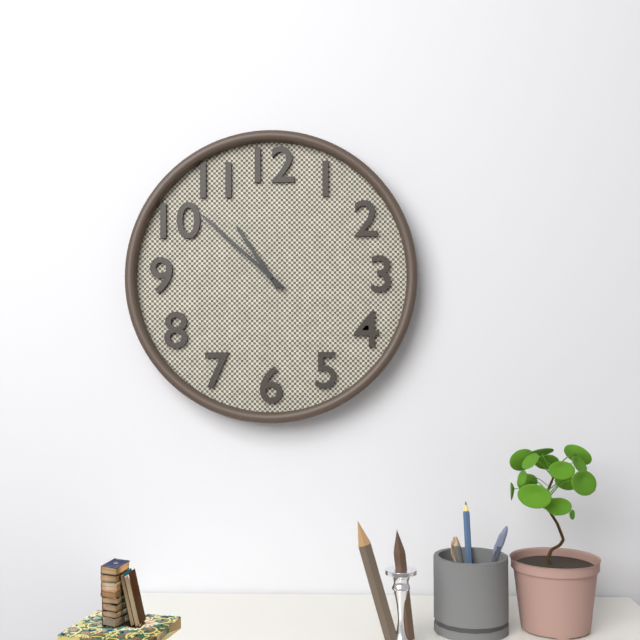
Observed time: 10:52
